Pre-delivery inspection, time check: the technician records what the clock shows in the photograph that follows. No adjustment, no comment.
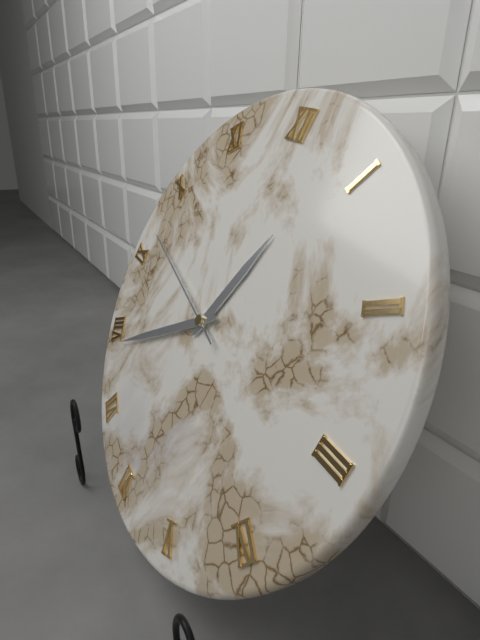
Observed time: 12:39:47
